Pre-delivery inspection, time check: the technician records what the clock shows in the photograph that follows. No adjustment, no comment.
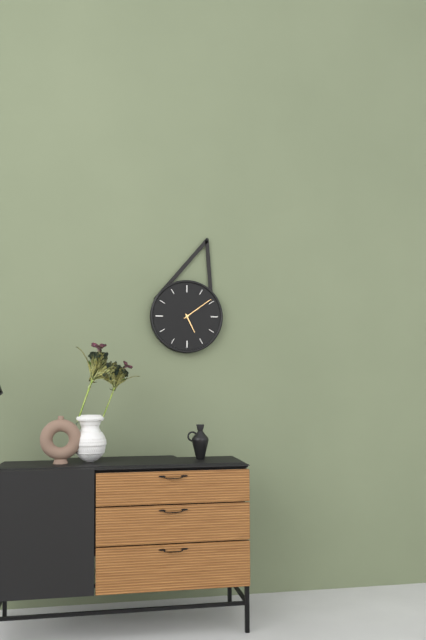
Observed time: 5:09
